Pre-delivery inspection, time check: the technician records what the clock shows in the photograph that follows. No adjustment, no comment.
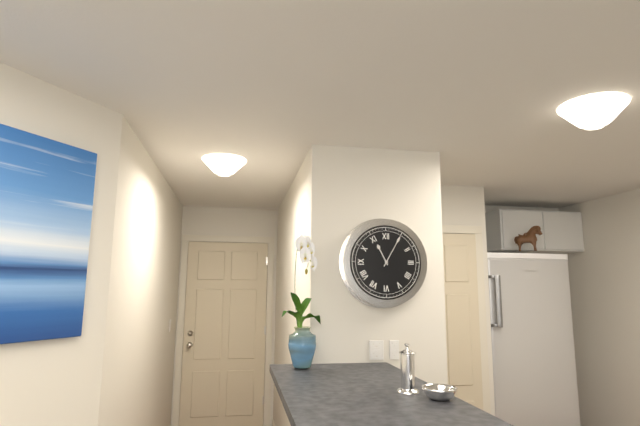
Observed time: 11:05
